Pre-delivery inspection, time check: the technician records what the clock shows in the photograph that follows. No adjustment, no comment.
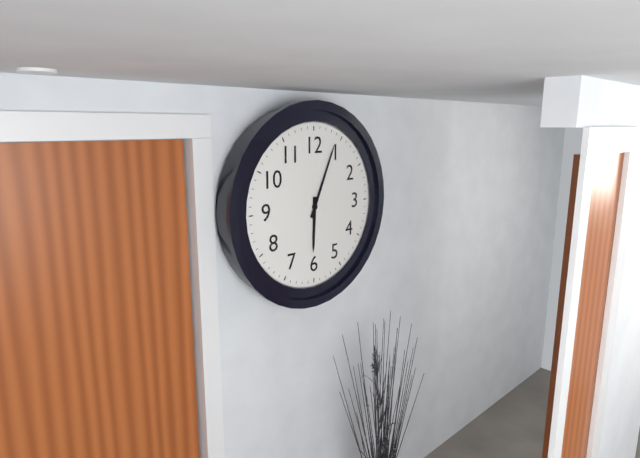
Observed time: 6:04
